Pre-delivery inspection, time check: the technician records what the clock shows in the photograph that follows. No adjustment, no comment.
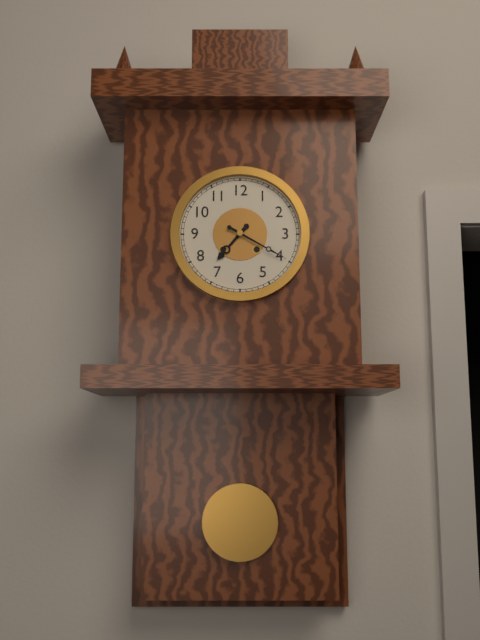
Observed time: 7:20
